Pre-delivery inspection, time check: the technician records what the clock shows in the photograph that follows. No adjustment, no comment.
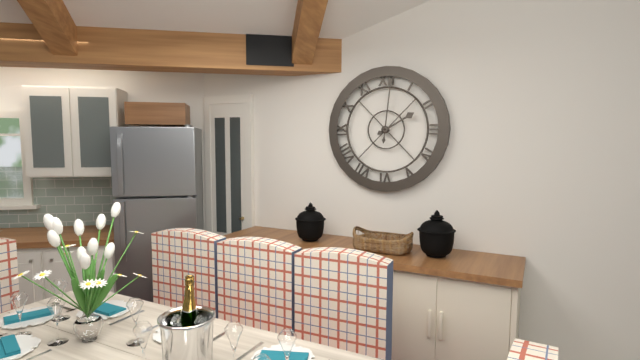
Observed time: 2:01
